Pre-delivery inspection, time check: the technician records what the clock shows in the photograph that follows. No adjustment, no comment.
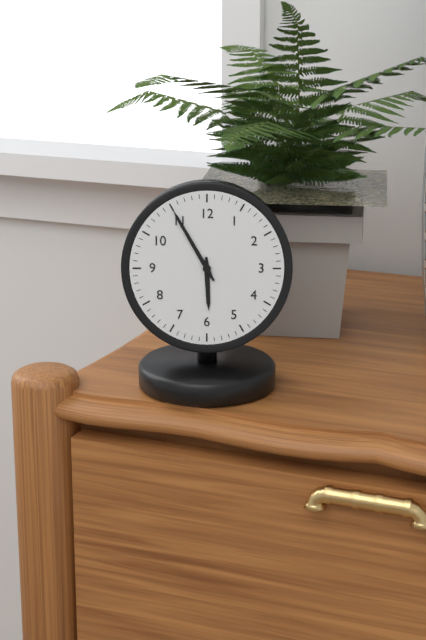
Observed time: 5:55
